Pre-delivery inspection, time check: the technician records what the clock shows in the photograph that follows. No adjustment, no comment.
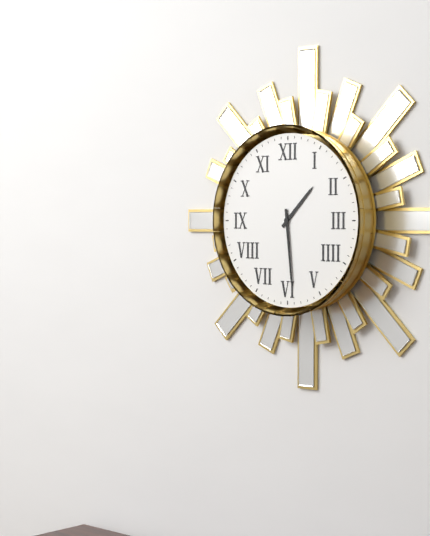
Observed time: 1:29
